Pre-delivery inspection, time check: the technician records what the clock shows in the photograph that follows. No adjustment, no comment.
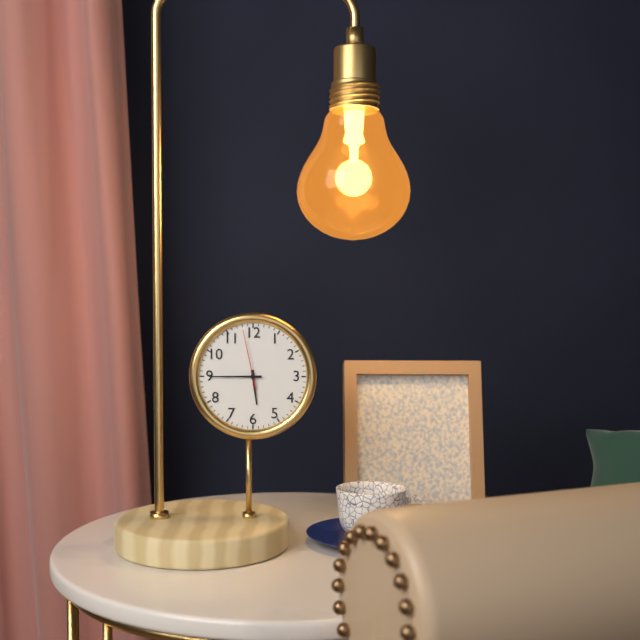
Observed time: 5:45:58
